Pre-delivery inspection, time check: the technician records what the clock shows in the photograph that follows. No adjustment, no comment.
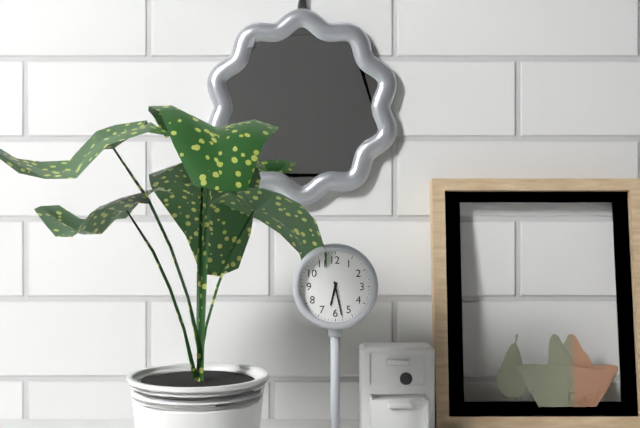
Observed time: 6:28
